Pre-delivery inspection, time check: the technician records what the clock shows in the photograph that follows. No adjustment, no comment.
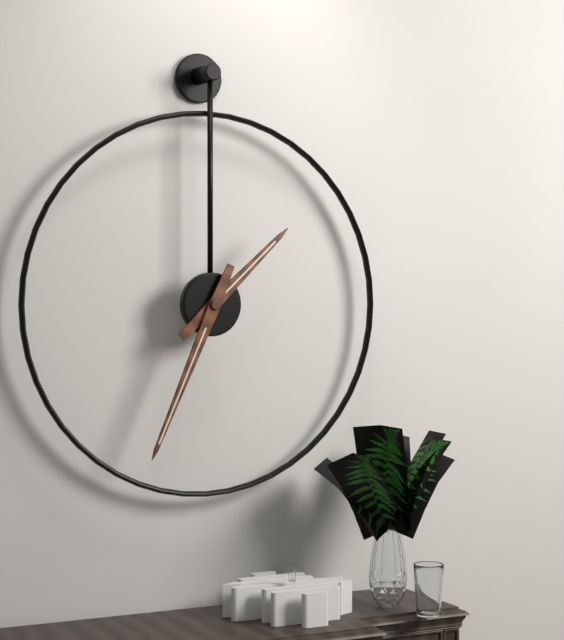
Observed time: 1:34
